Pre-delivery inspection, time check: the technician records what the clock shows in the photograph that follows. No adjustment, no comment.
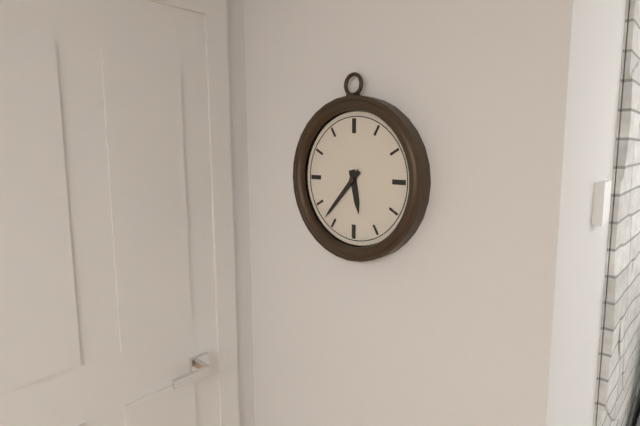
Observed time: 5:37
